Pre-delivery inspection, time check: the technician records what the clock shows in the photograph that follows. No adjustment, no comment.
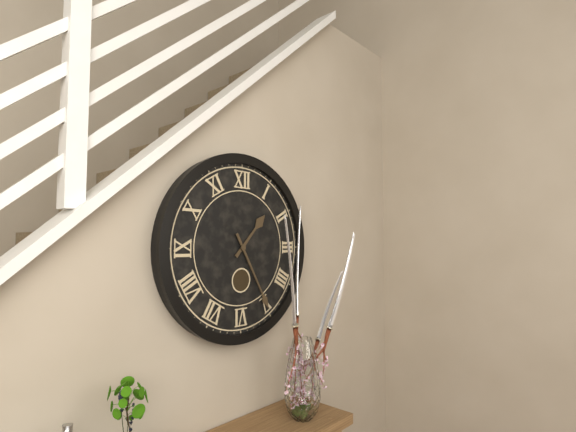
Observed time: 1:25
